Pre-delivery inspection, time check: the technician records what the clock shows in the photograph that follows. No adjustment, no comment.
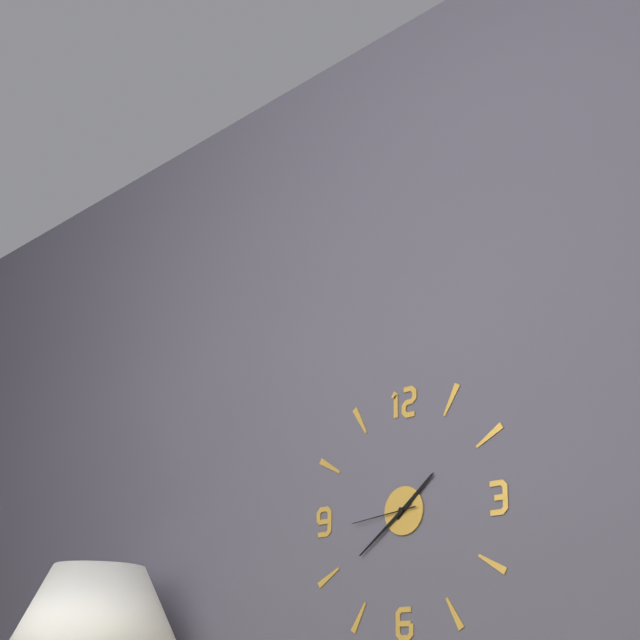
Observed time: 1:39:44
